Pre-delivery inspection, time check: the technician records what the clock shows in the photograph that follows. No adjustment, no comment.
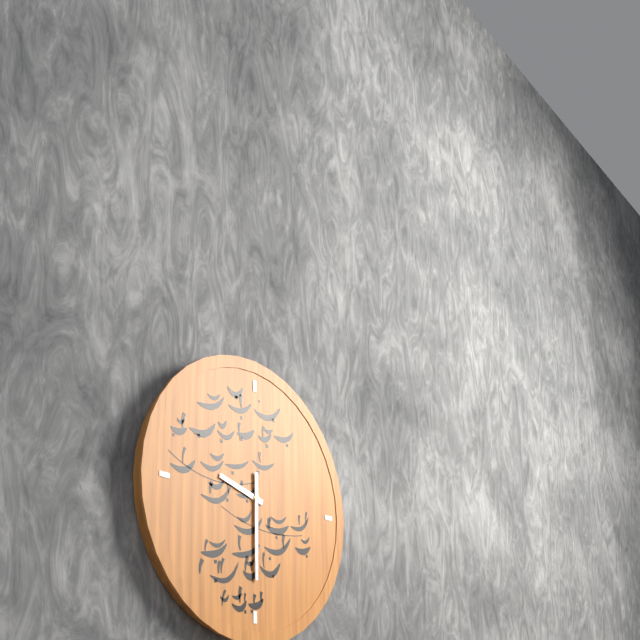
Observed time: 9:30
